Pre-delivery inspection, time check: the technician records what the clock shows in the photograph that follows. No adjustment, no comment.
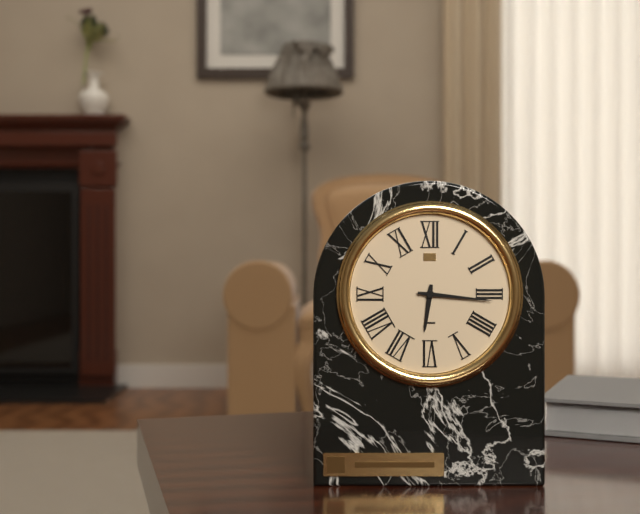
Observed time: 6:16
